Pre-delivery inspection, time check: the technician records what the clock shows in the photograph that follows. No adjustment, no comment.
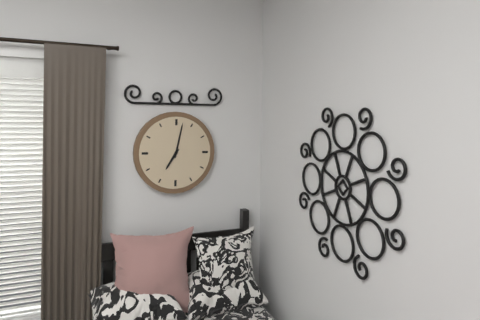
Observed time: 7:02
